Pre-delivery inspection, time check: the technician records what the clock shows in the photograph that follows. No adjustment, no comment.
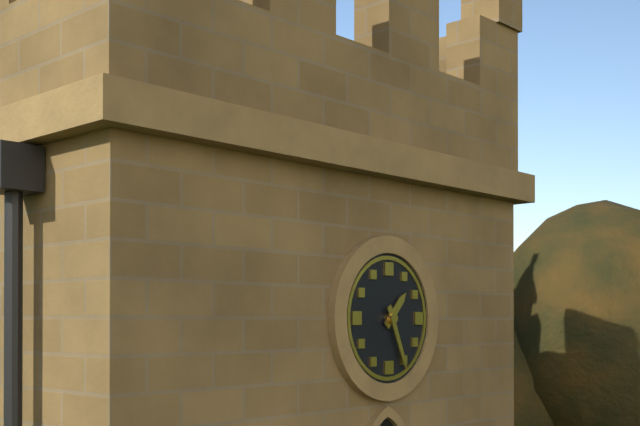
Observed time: 1:26
